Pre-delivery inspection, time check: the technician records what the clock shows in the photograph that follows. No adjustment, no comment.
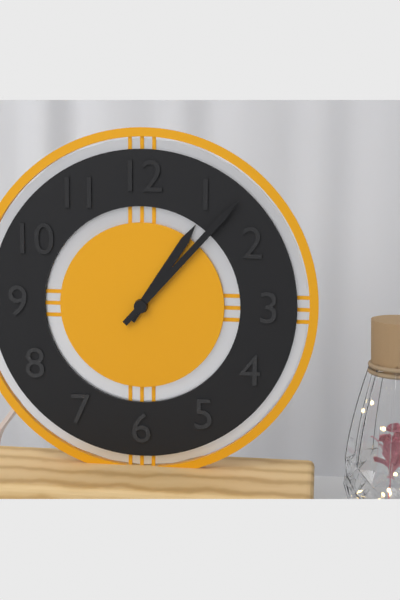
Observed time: 1:07
